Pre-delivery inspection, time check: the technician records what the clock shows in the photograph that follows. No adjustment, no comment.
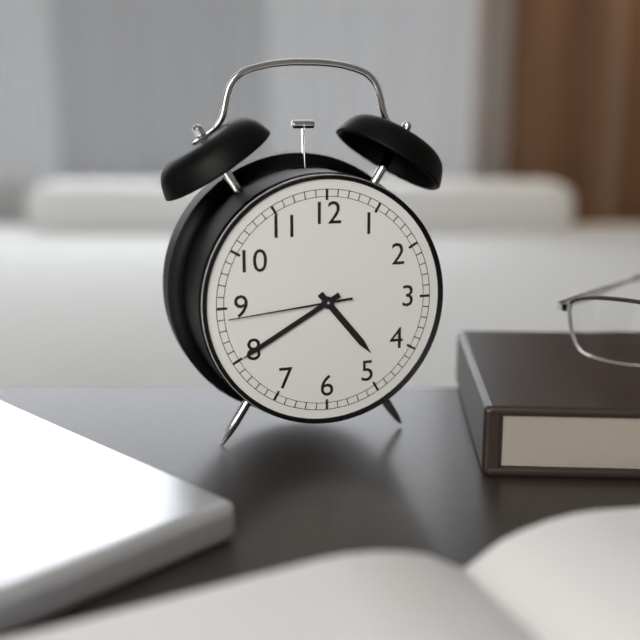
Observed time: 4:40:44
